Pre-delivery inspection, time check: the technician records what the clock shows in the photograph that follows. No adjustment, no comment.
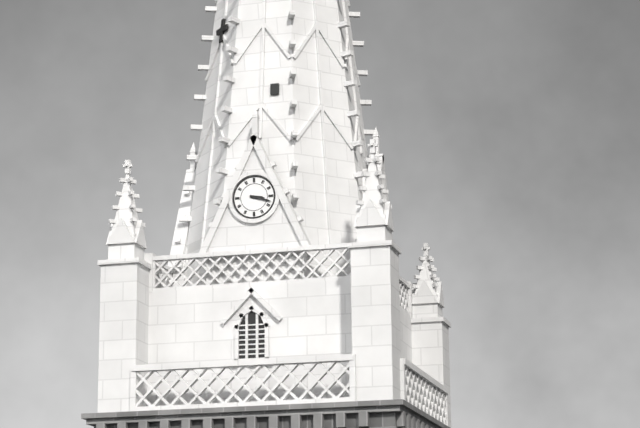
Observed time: 3:18
